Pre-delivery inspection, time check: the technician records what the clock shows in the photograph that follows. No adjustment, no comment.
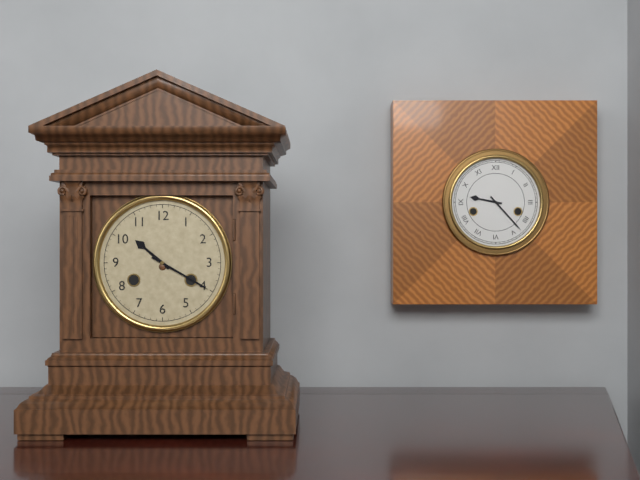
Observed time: 10:20
